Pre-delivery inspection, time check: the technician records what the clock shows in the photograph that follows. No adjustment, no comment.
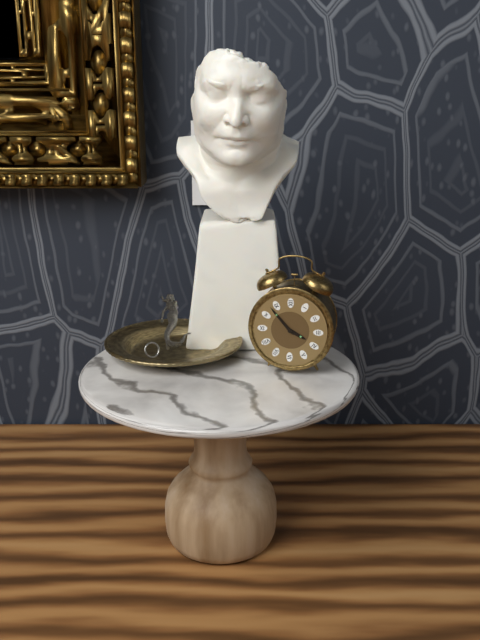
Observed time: 3:53
